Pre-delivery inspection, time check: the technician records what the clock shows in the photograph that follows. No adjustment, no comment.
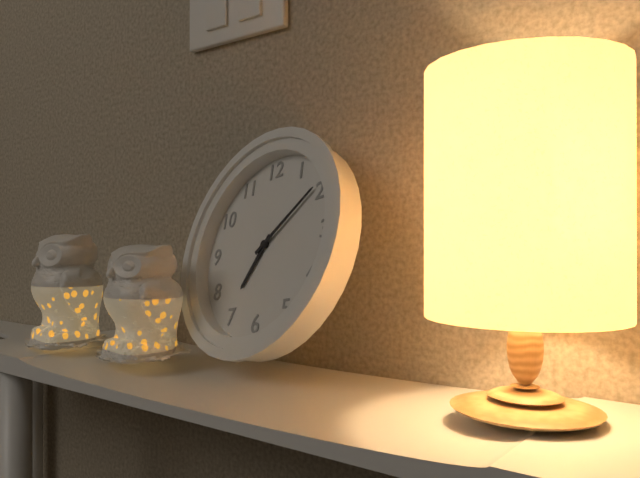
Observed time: 7:09
